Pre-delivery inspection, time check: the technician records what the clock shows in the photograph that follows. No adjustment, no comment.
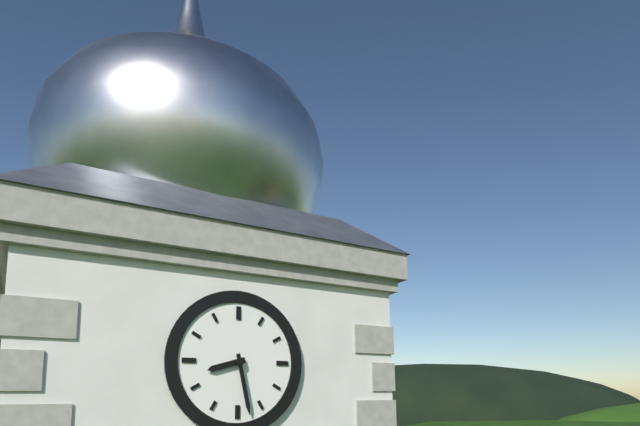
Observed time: 8:28
